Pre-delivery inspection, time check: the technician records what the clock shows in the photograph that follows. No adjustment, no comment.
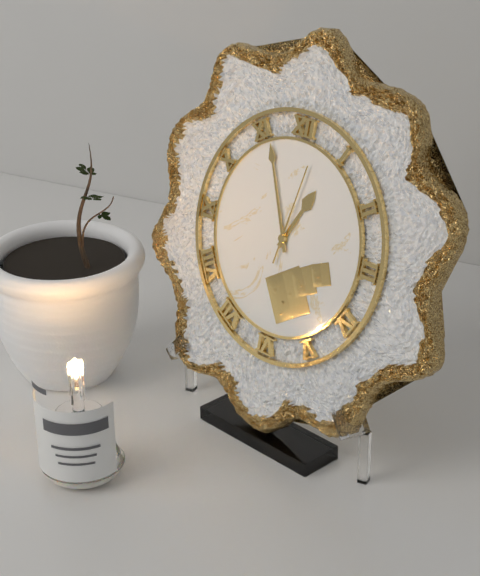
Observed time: 12:56:02
